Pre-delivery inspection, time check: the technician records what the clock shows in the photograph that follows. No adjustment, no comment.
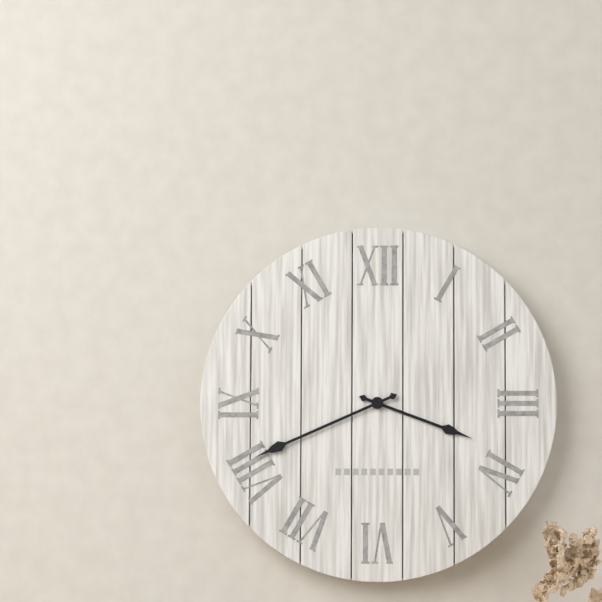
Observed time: 3:41
